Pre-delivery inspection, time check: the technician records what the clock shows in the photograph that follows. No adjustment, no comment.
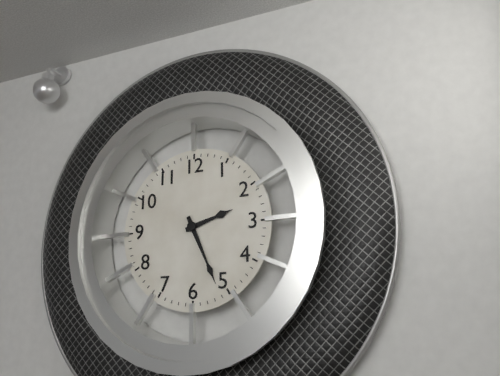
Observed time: 2:26
